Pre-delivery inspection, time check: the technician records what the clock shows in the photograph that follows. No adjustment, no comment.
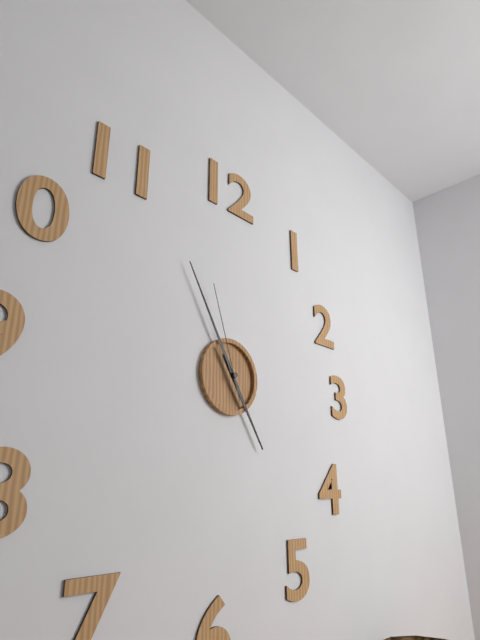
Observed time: 4:55:57
